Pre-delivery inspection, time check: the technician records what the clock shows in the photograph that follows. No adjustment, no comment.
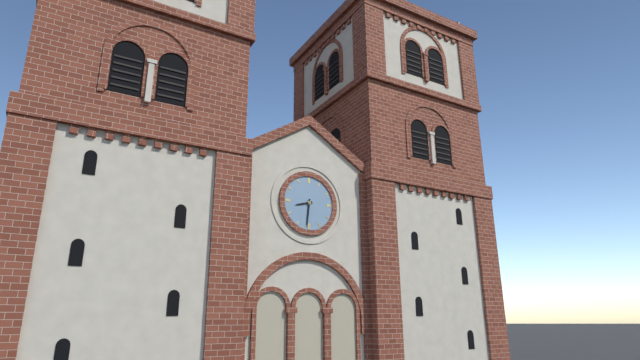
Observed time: 8:31
